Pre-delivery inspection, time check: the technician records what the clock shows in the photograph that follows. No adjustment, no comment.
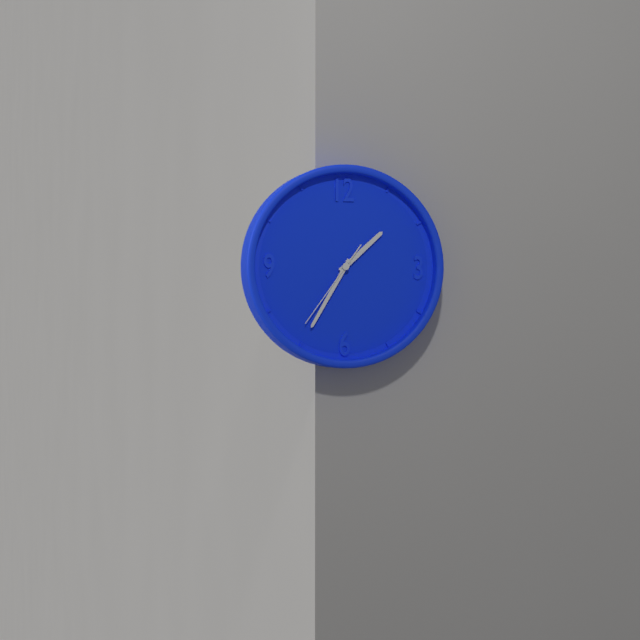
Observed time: 1:35:36
